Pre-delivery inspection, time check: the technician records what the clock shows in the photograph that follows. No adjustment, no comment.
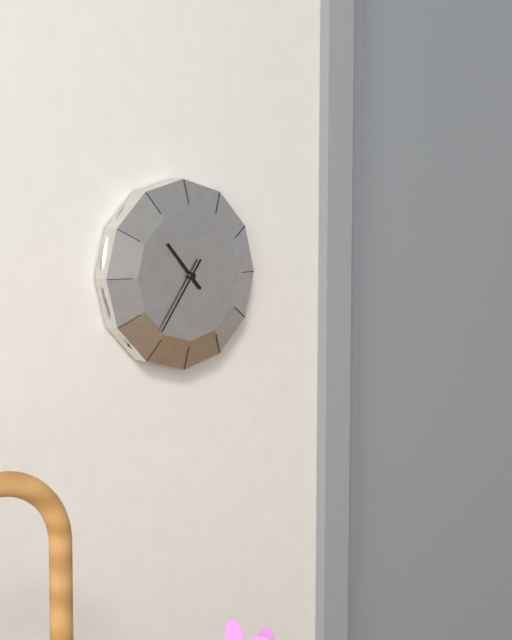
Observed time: 10:36
